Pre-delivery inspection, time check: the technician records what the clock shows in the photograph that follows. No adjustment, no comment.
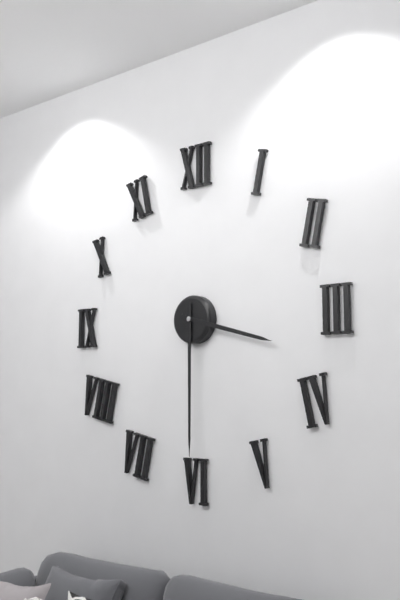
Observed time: 3:30
